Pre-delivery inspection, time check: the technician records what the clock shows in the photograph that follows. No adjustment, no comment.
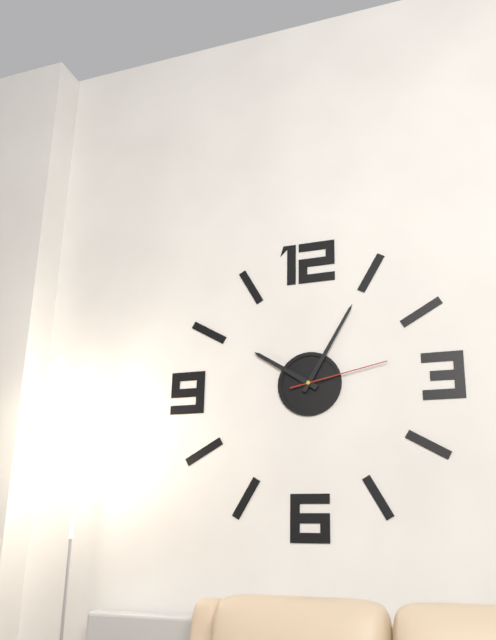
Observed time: 10:05:13
